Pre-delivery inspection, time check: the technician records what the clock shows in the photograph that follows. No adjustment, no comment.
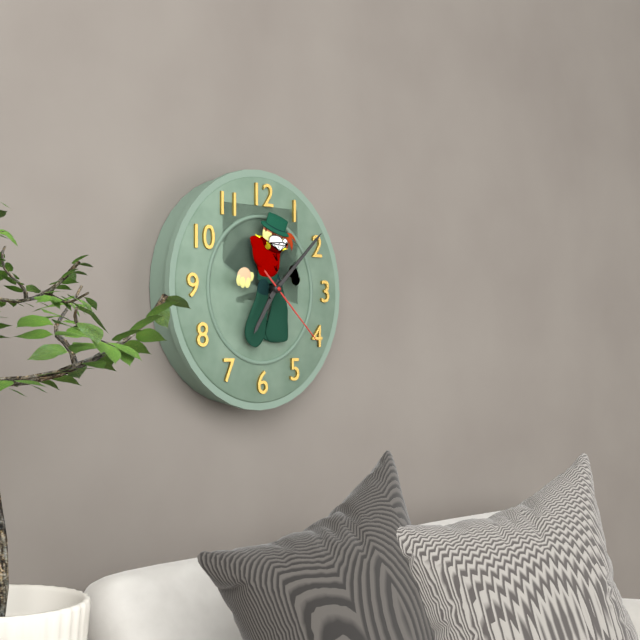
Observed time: 7:08:22
